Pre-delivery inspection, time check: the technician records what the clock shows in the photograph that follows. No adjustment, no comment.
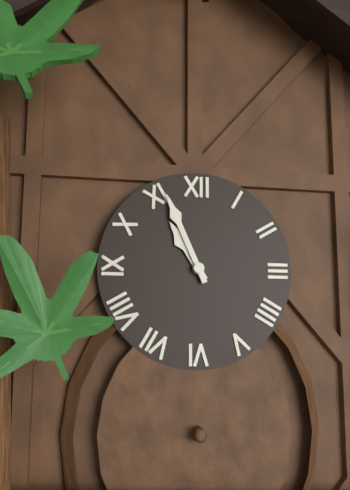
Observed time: 10:56
